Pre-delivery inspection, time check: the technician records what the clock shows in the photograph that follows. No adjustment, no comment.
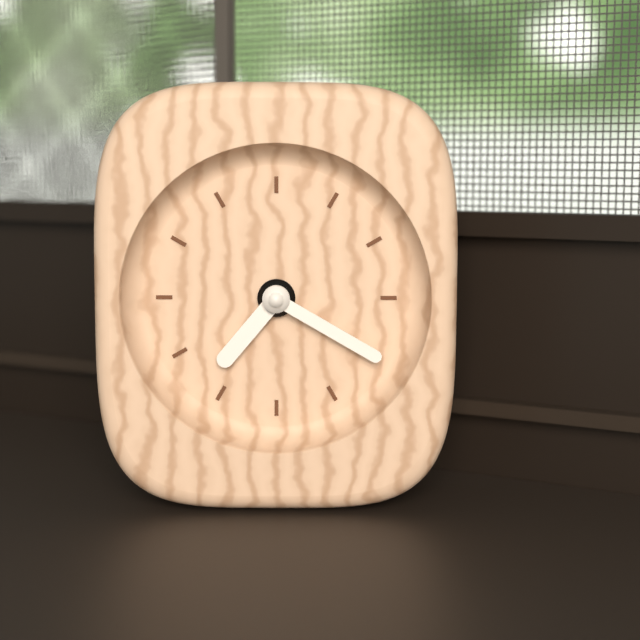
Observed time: 7:20
